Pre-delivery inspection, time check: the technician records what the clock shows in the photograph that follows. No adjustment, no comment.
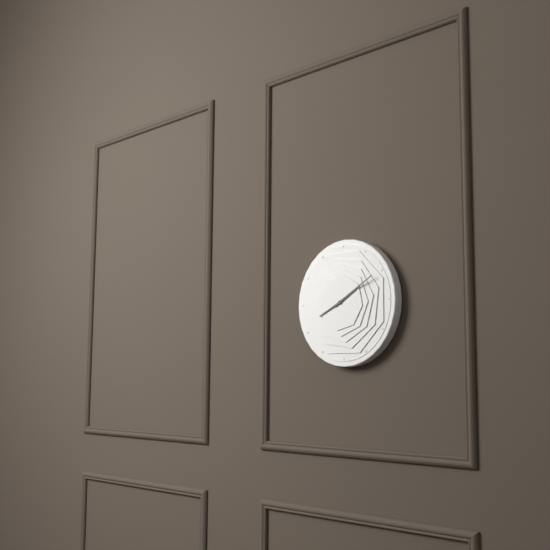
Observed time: 8:10
